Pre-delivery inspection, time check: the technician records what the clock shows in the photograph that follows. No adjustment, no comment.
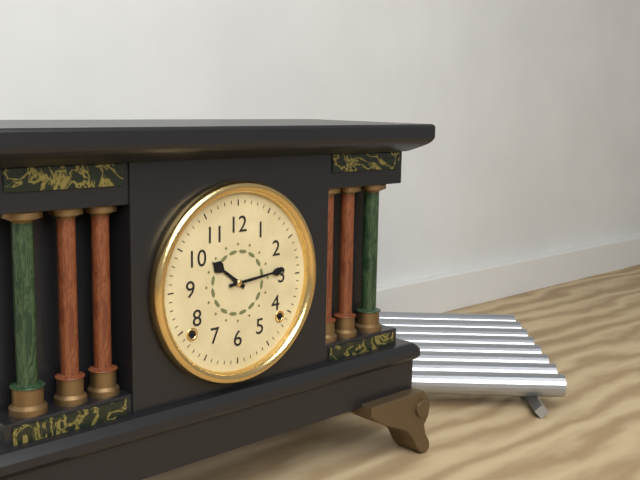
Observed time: 10:14
